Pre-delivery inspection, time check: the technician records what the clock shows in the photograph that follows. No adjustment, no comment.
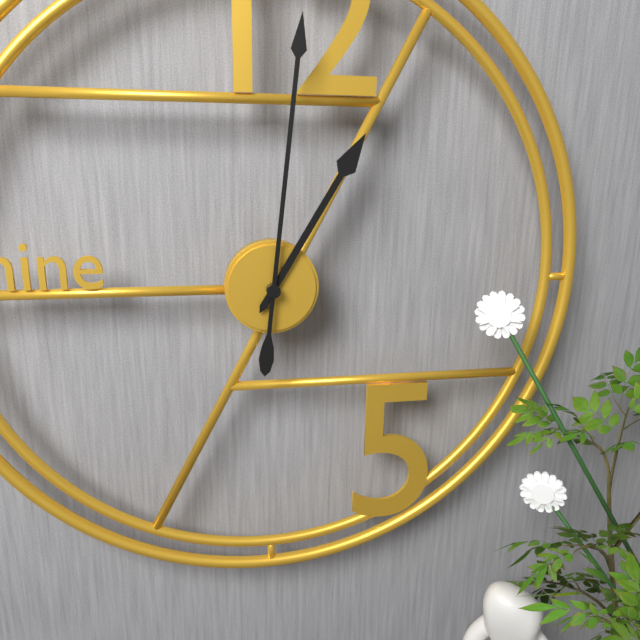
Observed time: 1:01
